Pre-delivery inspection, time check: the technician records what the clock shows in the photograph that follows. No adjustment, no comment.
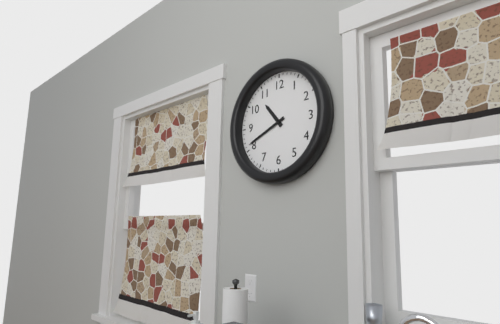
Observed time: 10:41
